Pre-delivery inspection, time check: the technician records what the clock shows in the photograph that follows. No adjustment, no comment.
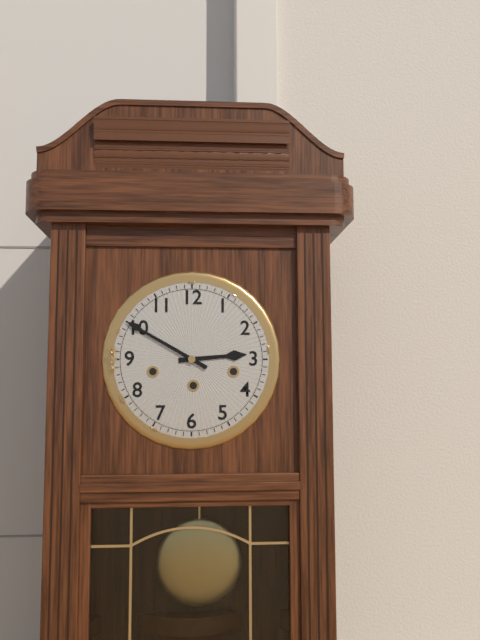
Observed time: 2:50
